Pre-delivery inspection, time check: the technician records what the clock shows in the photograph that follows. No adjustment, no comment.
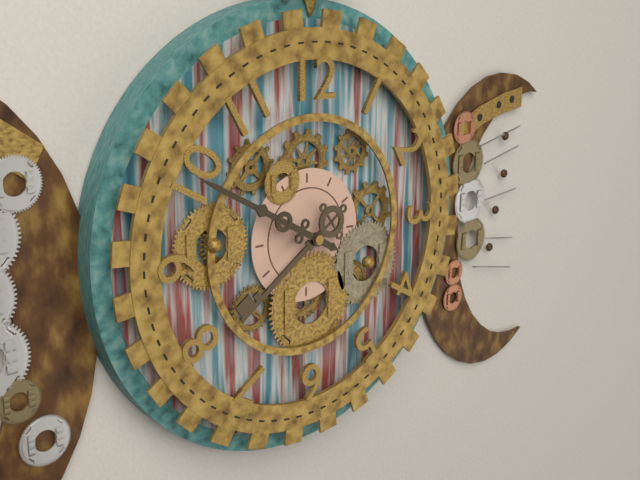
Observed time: 7:50
